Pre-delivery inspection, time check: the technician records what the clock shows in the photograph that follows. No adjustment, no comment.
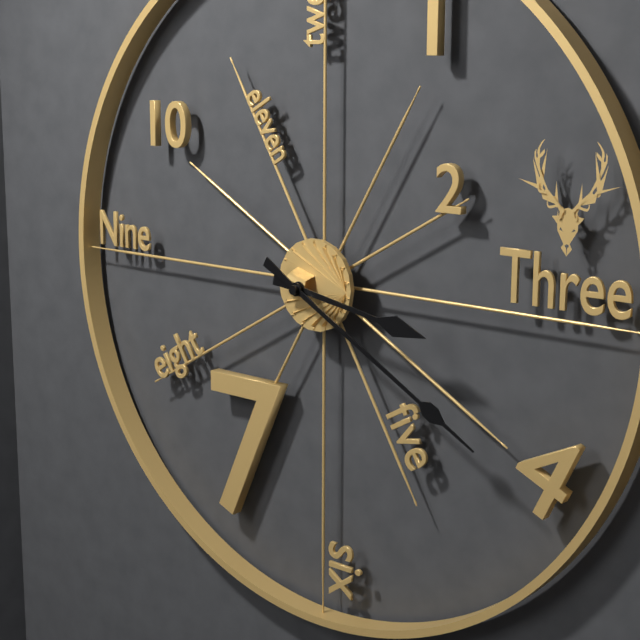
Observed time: 3:20
